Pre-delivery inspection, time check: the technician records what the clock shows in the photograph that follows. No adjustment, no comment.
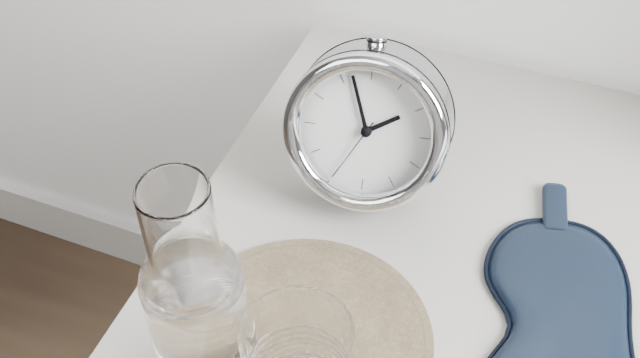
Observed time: 1:57:35
